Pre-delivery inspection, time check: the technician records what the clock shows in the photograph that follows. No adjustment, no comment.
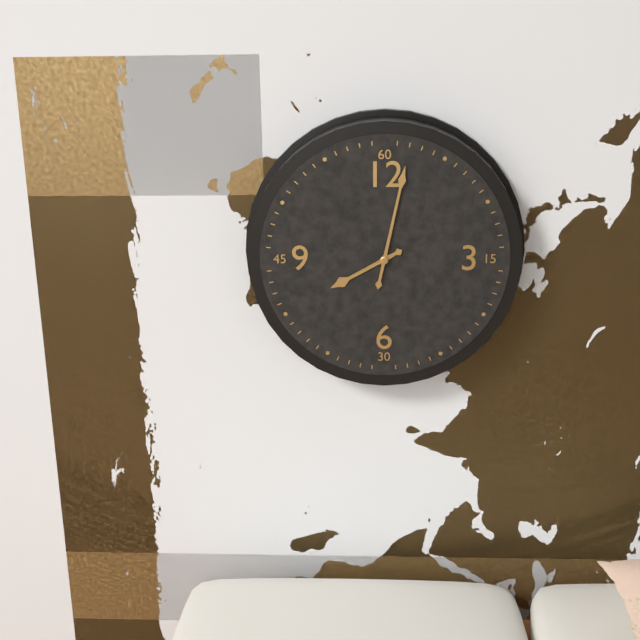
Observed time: 8:02
